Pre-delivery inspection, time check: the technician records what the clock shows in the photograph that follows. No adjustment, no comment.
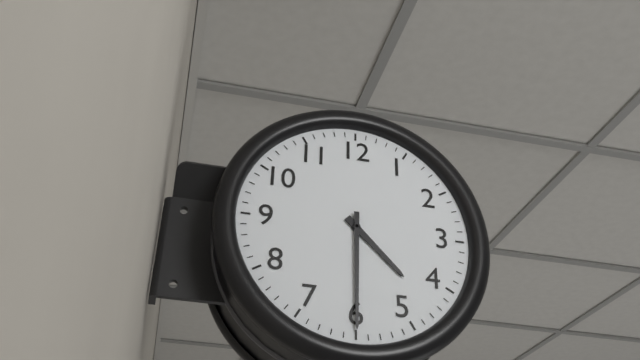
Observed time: 4:30
